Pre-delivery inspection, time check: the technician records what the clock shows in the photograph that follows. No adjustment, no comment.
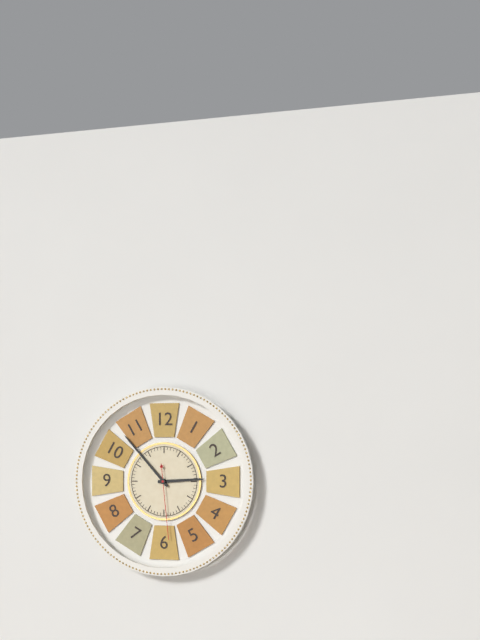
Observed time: 2:53:29
